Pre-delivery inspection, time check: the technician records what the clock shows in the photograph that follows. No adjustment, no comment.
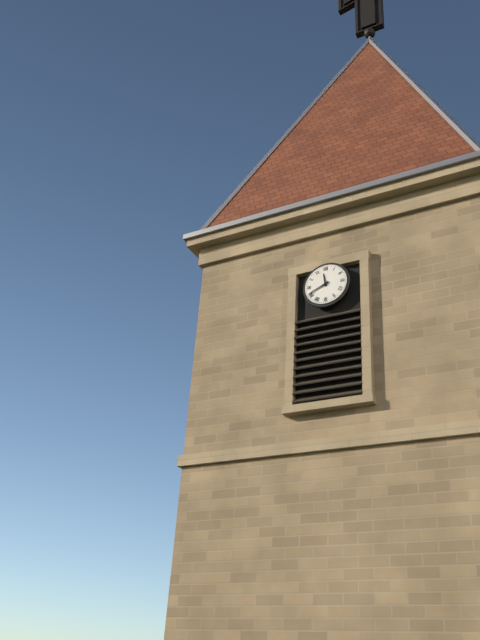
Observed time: 11:41
